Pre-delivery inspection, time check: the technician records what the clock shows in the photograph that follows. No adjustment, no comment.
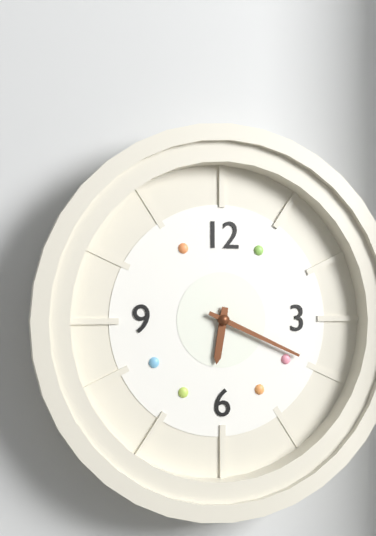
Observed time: 6:19
